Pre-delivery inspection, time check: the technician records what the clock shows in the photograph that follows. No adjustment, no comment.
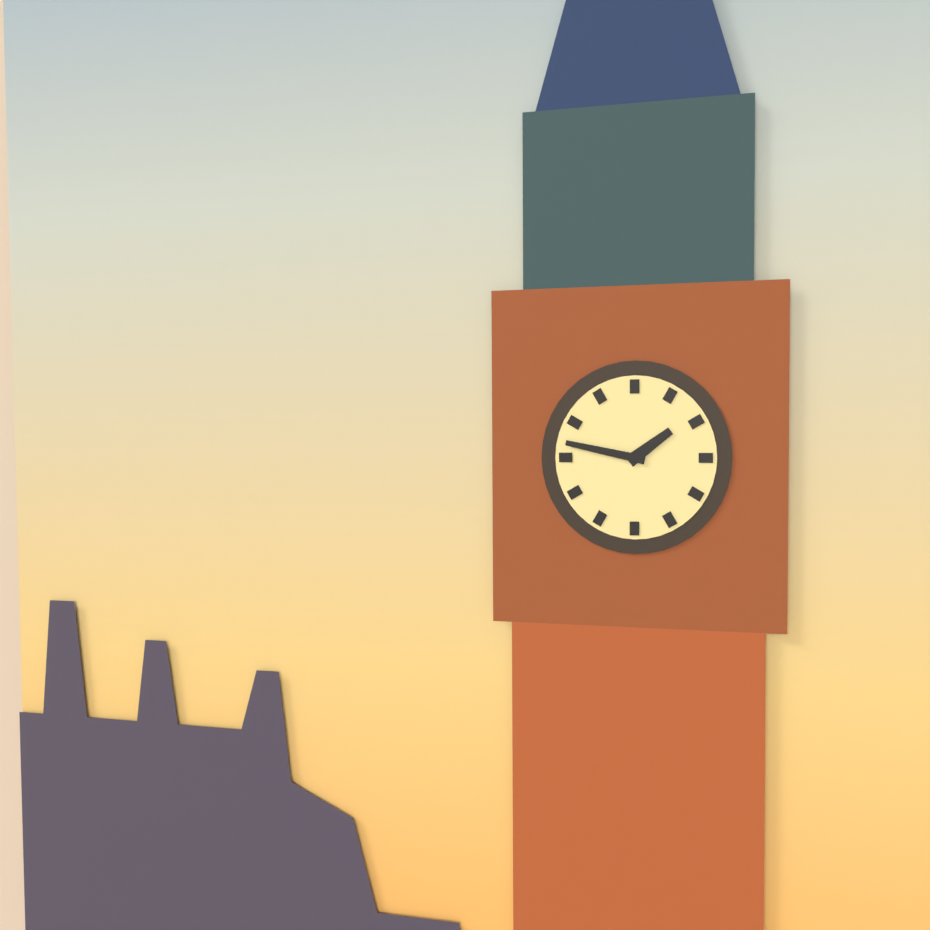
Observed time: 1:47
